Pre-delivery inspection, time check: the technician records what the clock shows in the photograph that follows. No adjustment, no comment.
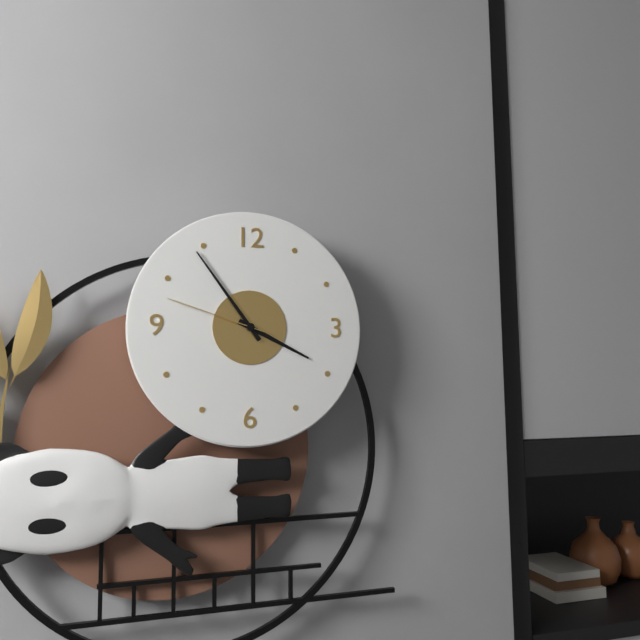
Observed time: 3:54:48
